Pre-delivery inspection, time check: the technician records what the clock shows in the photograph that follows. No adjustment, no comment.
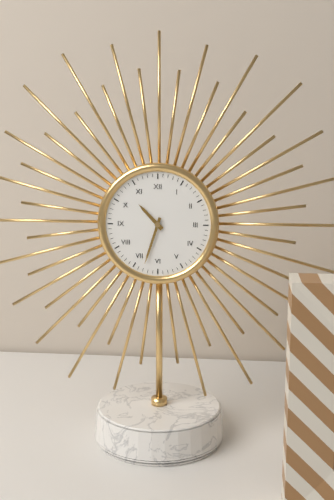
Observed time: 10:33
